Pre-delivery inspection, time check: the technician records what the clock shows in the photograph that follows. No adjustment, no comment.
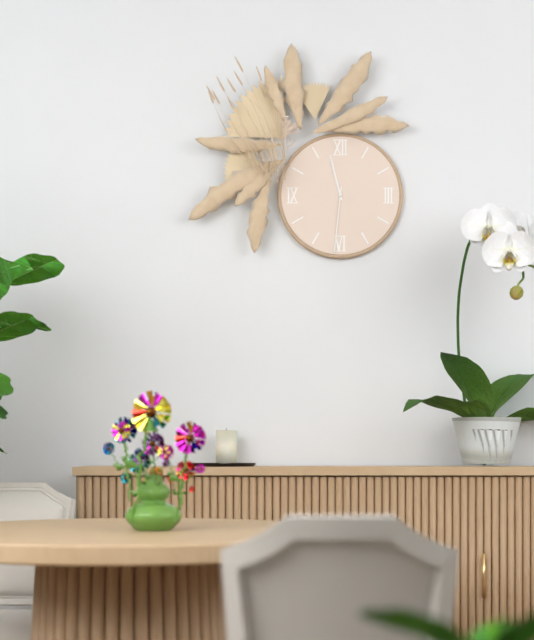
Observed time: 11:31
